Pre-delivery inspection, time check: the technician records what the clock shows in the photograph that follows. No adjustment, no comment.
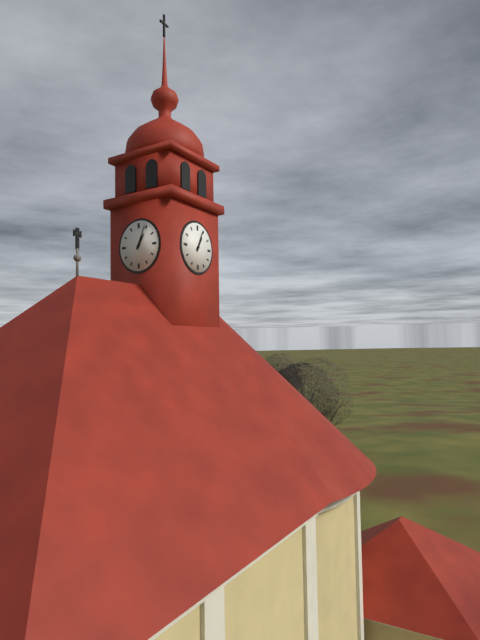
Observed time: 1:04
